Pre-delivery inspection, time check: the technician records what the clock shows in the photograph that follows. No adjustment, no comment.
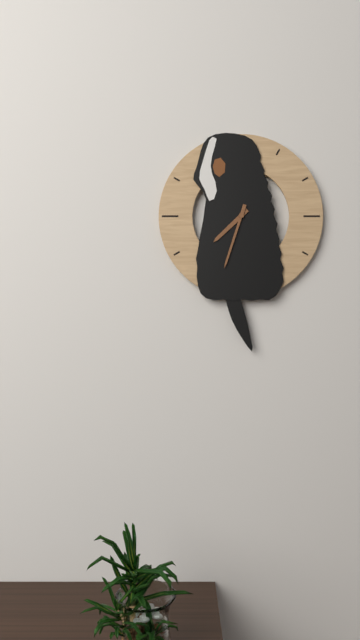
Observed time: 7:33
